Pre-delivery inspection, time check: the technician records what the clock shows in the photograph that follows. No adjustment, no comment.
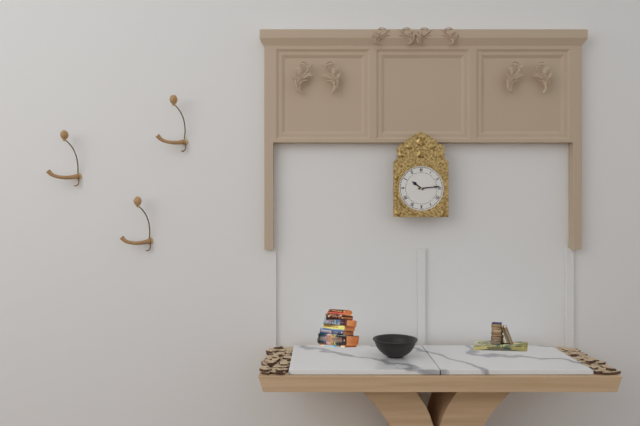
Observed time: 10:14
